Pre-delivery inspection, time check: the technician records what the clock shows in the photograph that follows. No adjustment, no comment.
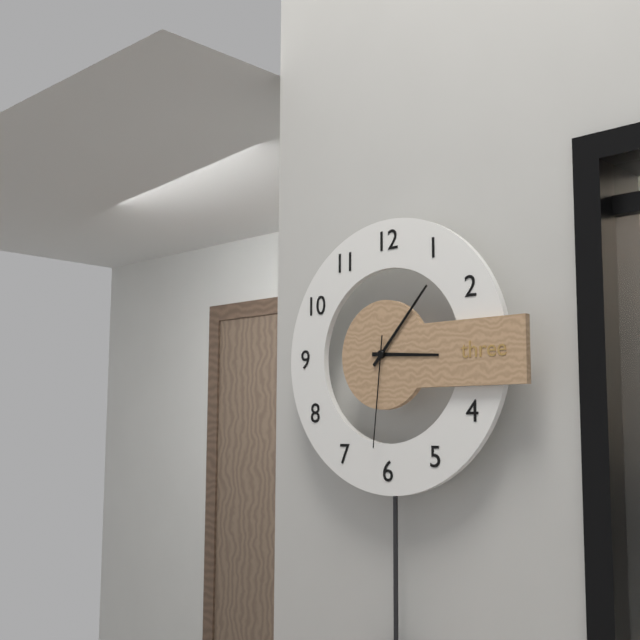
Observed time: 3:07:31
